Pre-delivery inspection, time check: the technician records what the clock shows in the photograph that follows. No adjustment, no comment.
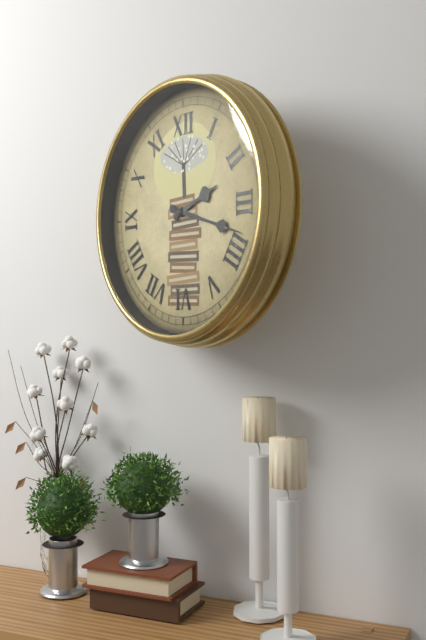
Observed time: 2:18
